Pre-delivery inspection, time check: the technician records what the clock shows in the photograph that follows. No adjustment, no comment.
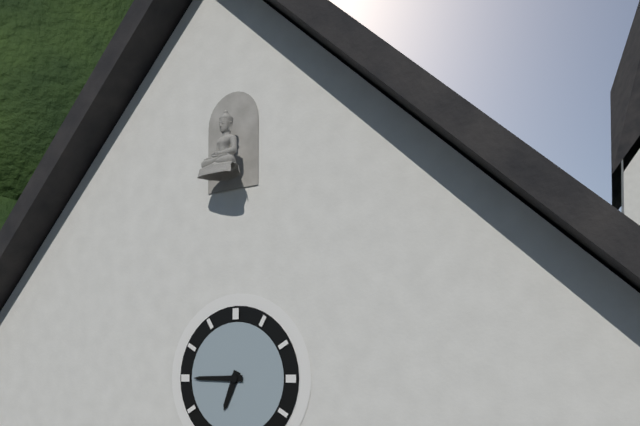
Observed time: 6:45
